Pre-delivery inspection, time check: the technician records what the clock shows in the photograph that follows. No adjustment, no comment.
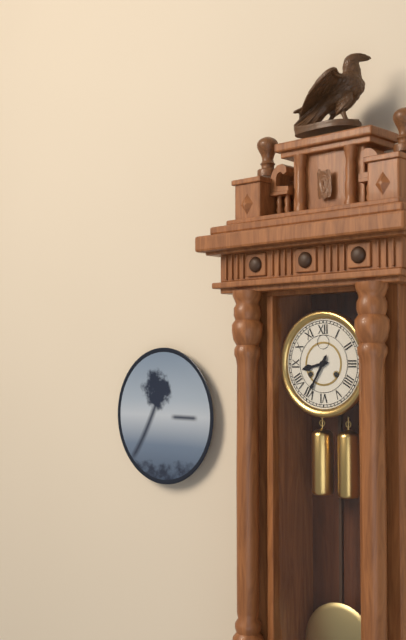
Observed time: 8:35
